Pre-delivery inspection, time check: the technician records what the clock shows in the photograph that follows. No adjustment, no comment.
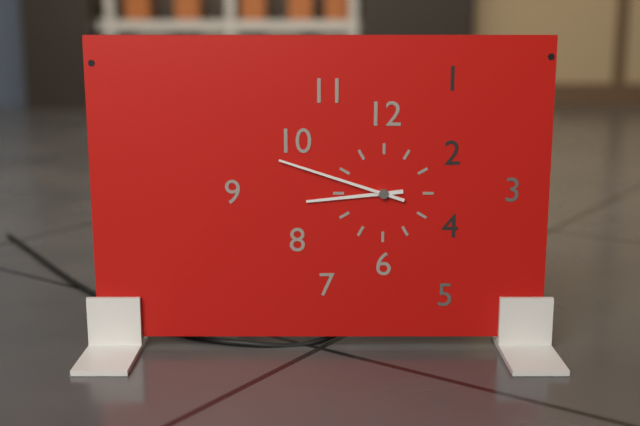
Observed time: 8:48
